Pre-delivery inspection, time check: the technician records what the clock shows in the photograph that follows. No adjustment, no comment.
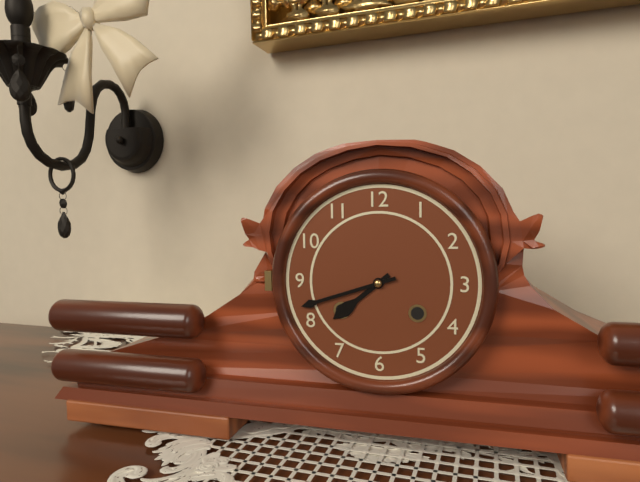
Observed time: 7:42
